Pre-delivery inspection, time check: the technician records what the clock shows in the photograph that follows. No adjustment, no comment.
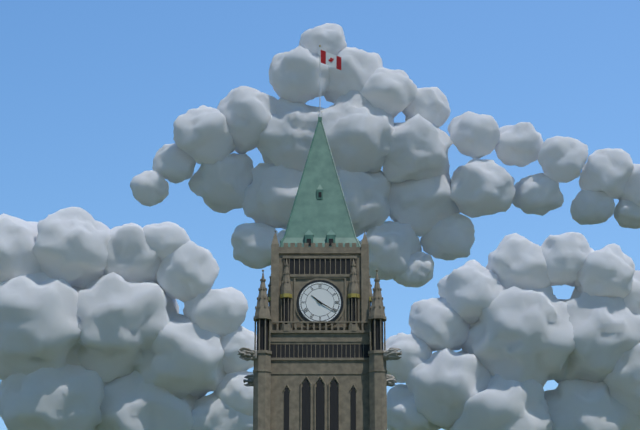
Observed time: 10:20
